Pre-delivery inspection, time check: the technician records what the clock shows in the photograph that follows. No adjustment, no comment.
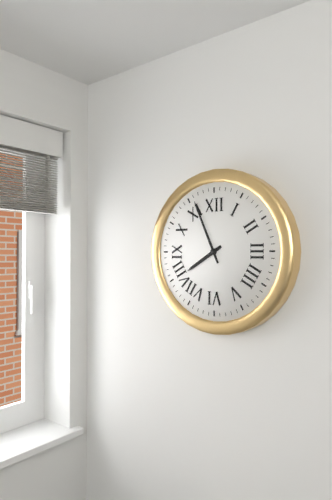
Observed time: 7:56
